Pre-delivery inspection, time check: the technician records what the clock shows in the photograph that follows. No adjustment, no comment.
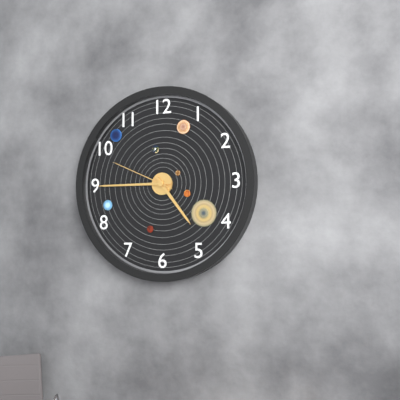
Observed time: 4:45:49
